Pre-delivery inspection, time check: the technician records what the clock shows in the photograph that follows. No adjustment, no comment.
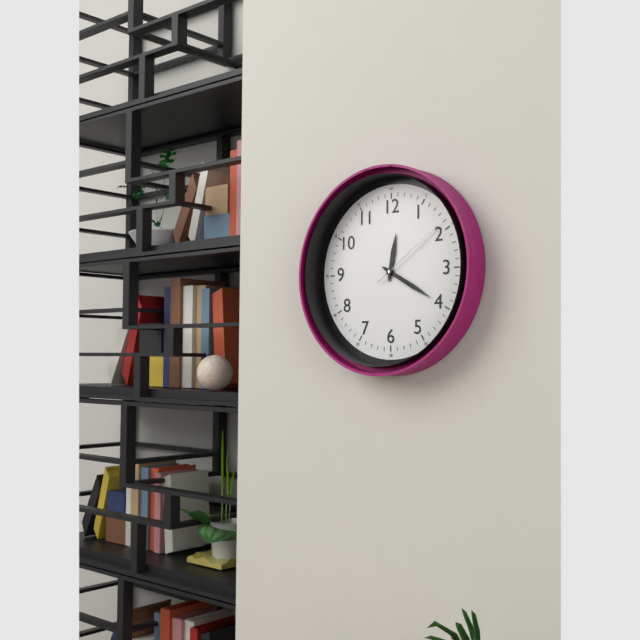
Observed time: 12:20:09
